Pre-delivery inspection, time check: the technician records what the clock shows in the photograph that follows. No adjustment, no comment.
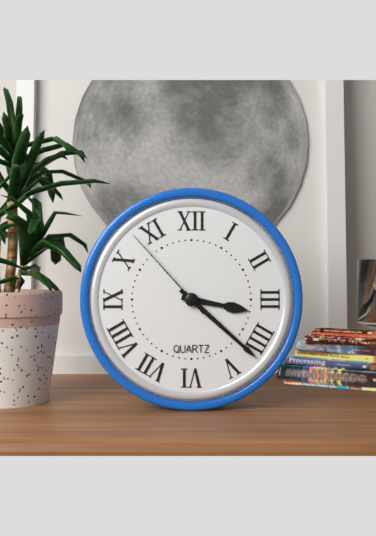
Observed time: 3:22:53
